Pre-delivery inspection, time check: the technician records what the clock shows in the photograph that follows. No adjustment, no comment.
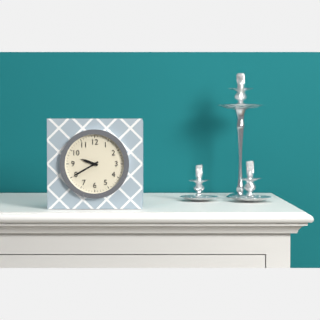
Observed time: 9:40
